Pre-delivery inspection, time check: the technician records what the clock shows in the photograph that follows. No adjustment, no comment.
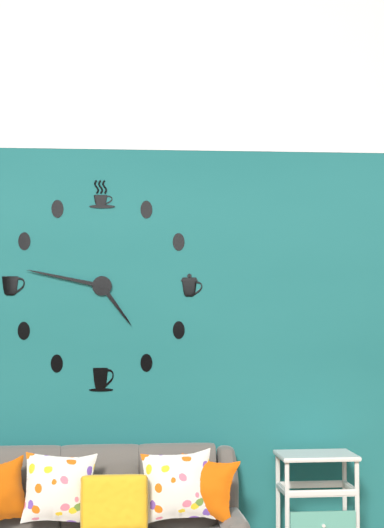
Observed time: 4:47
